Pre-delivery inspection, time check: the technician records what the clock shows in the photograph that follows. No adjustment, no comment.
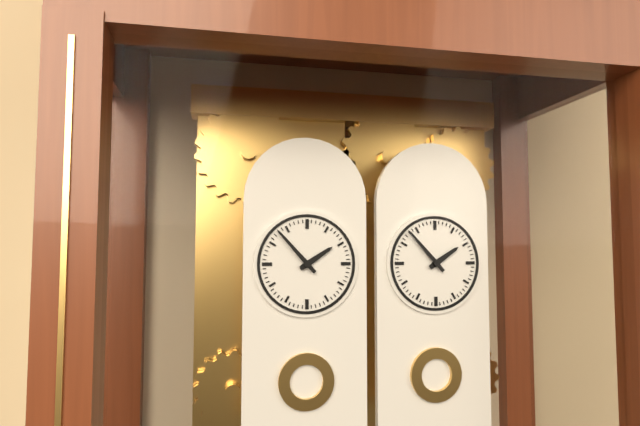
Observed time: 1:53
